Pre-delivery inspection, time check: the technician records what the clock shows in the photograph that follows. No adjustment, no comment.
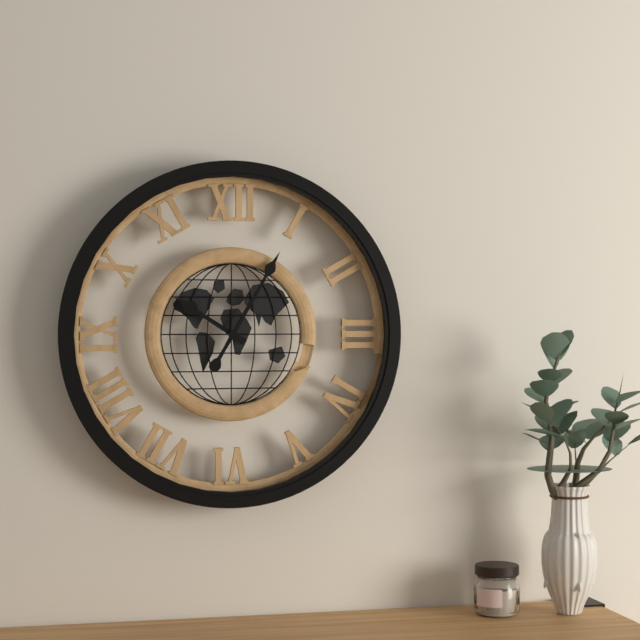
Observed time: 10:05
